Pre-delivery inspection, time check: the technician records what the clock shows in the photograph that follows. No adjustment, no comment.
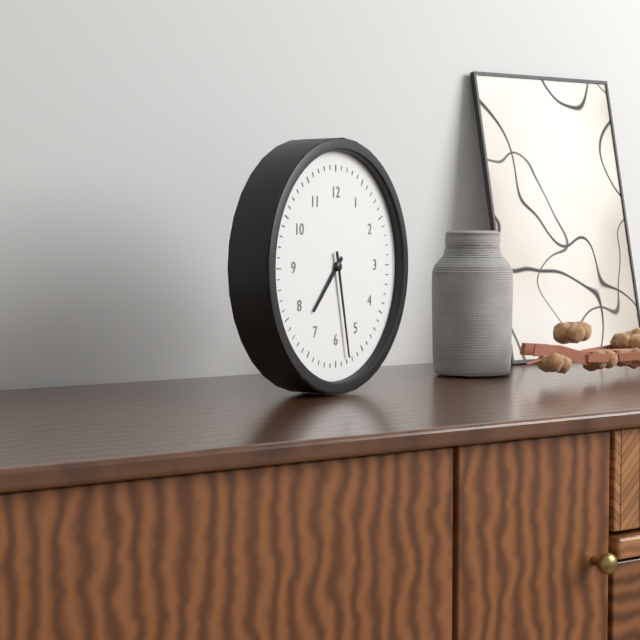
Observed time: 7:28
